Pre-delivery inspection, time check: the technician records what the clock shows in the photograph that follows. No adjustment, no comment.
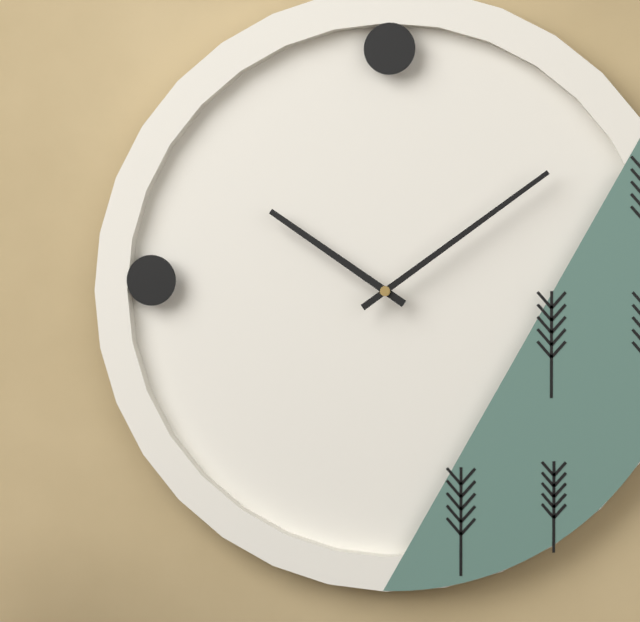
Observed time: 10:09
